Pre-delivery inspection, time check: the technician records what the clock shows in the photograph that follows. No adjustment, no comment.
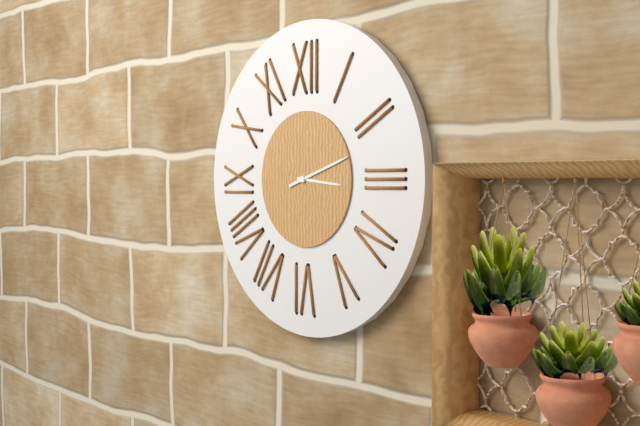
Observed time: 3:12
